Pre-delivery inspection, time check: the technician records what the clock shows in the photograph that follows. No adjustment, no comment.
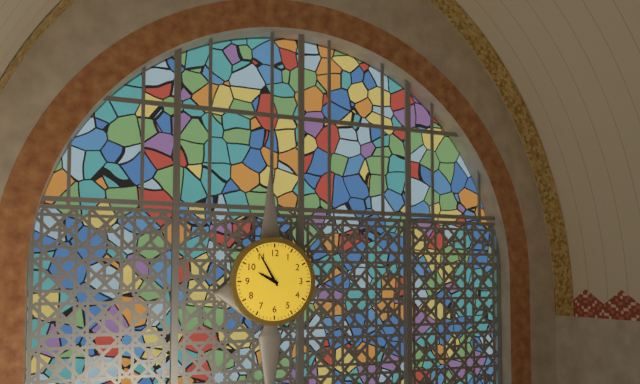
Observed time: 9:55
